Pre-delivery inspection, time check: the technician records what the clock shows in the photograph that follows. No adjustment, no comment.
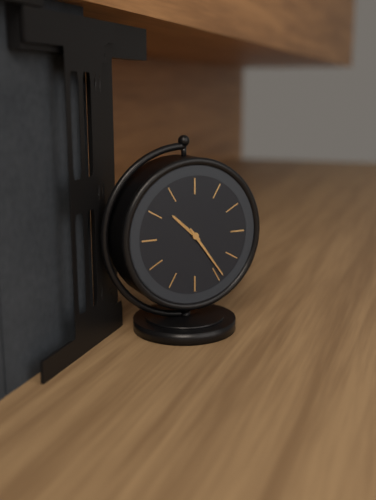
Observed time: 10:24
